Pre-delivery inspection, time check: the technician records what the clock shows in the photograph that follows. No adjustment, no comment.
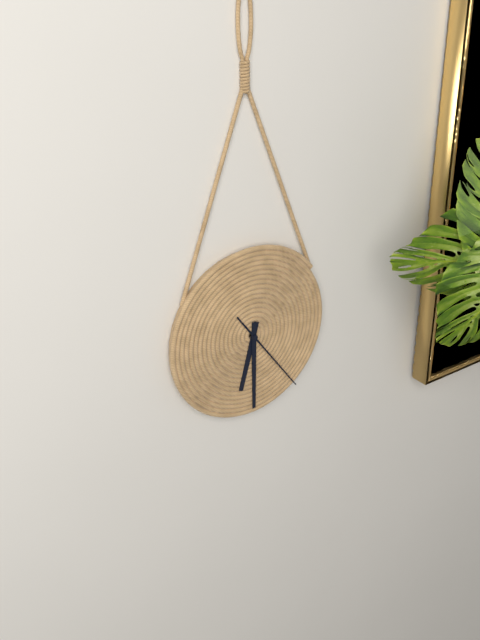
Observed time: 6:30:24
